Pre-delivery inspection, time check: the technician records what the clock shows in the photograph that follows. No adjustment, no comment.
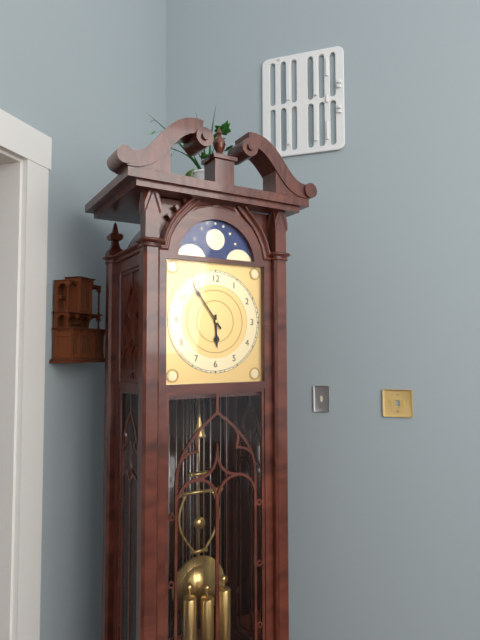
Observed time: 5:54
